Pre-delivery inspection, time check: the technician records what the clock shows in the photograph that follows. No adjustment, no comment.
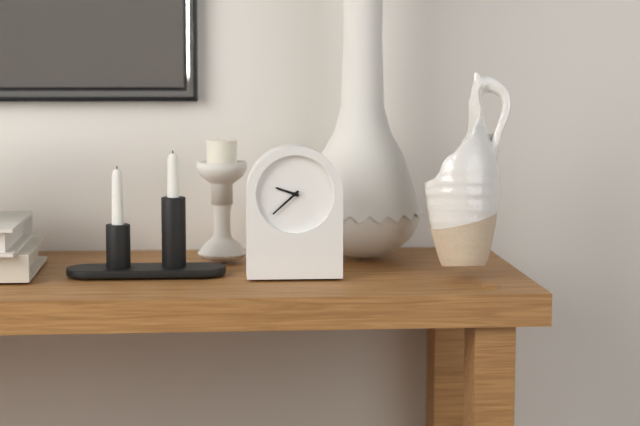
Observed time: 9:38
